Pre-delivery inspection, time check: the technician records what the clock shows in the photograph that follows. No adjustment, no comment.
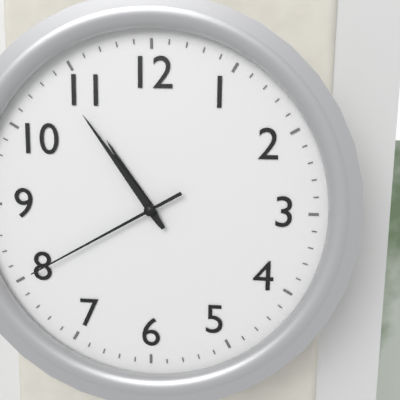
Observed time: 10:54:40
